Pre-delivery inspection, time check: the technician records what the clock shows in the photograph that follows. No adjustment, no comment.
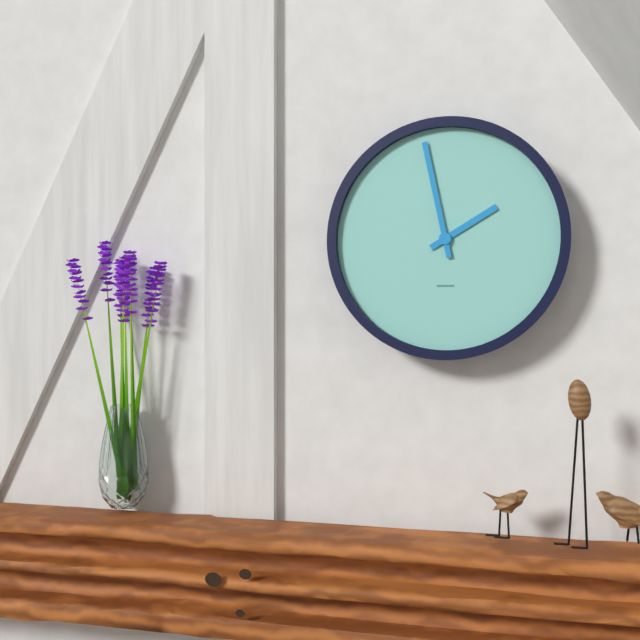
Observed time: 1:58
